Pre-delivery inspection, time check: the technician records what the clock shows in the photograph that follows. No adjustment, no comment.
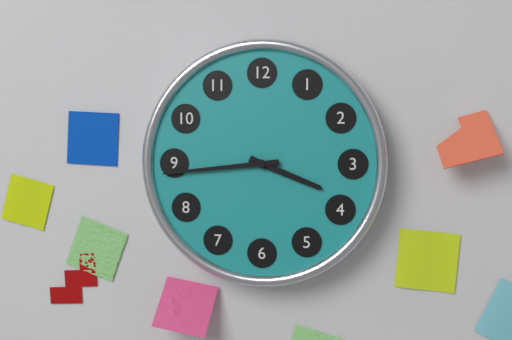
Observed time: 3:44
